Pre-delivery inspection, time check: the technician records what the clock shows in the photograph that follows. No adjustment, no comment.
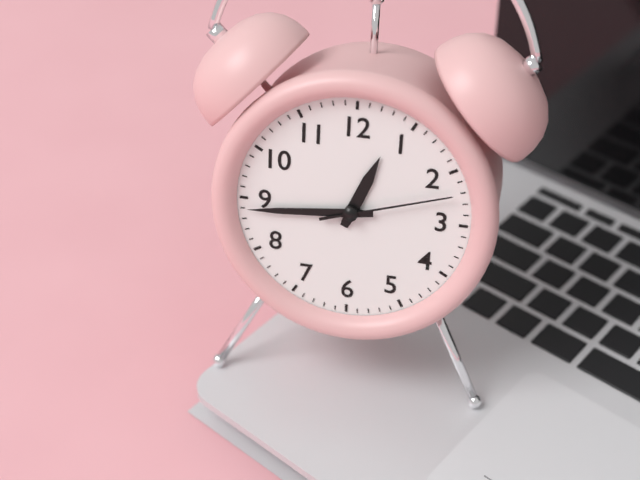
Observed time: 12:44:12
